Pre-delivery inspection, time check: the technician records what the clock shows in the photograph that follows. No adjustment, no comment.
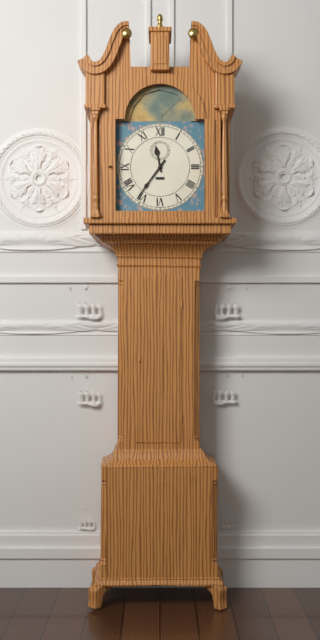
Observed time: 11:36
